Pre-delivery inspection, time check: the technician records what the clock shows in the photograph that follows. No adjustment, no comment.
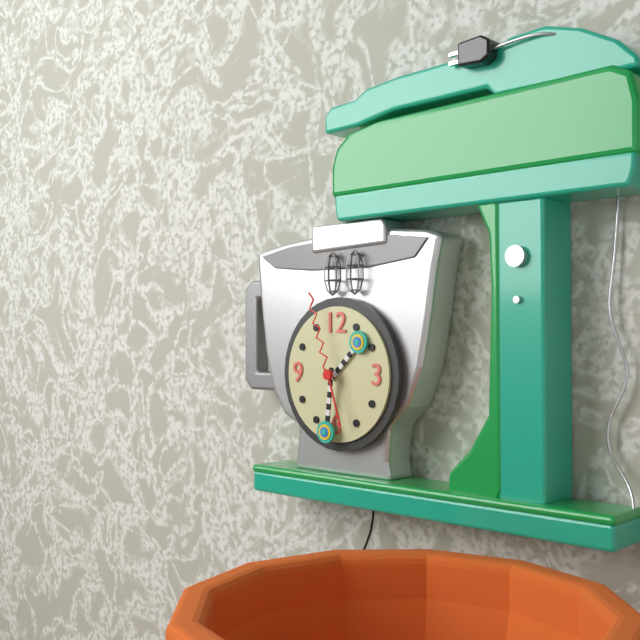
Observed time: 1:31:57
